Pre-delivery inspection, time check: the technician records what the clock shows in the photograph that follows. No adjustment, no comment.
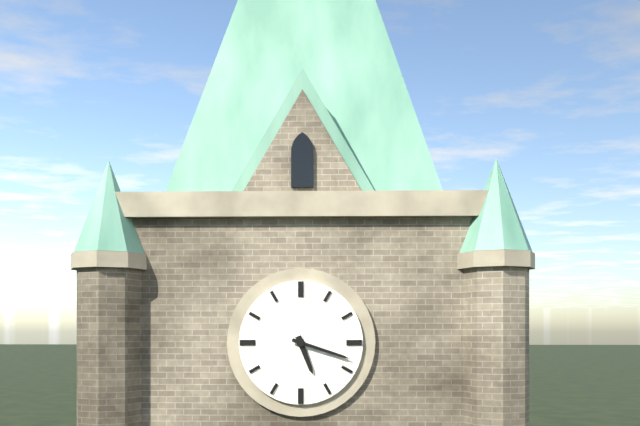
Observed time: 5:18
